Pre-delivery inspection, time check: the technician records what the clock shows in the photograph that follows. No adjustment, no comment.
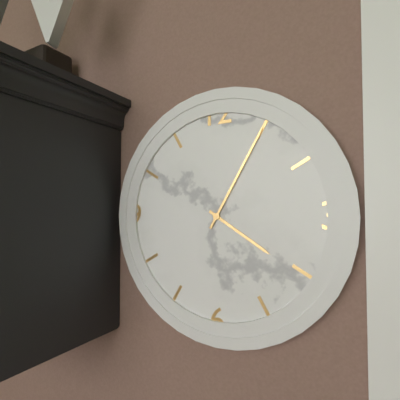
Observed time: 4:05
